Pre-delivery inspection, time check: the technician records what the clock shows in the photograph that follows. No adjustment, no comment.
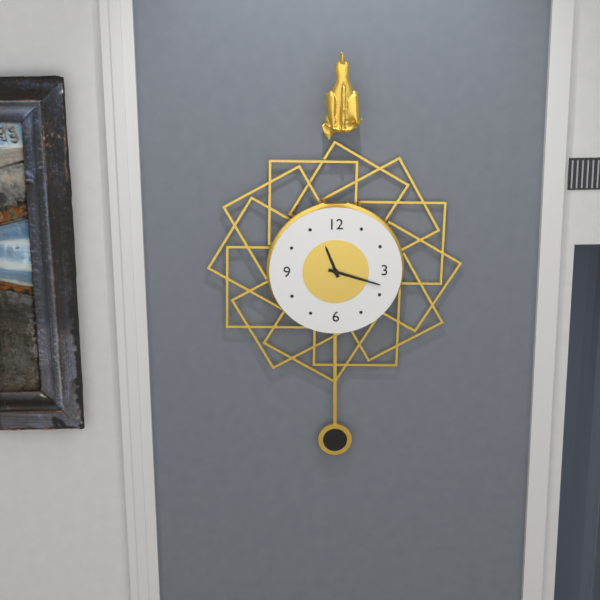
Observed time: 11:18
